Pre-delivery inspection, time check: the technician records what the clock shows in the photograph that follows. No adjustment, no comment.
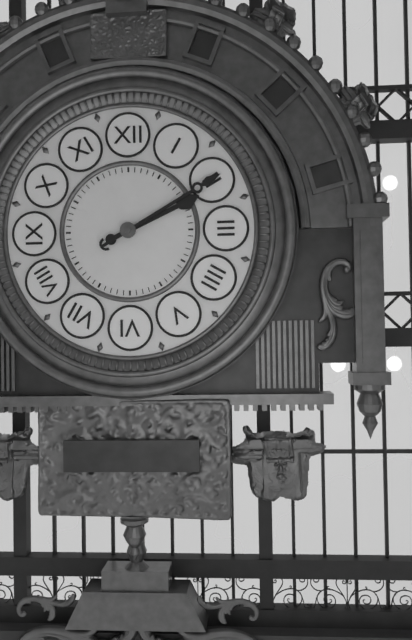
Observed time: 2:10
